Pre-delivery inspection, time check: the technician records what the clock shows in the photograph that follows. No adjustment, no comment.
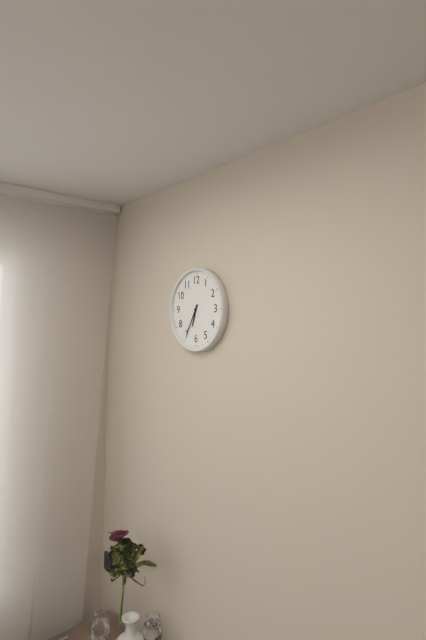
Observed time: 6:35
